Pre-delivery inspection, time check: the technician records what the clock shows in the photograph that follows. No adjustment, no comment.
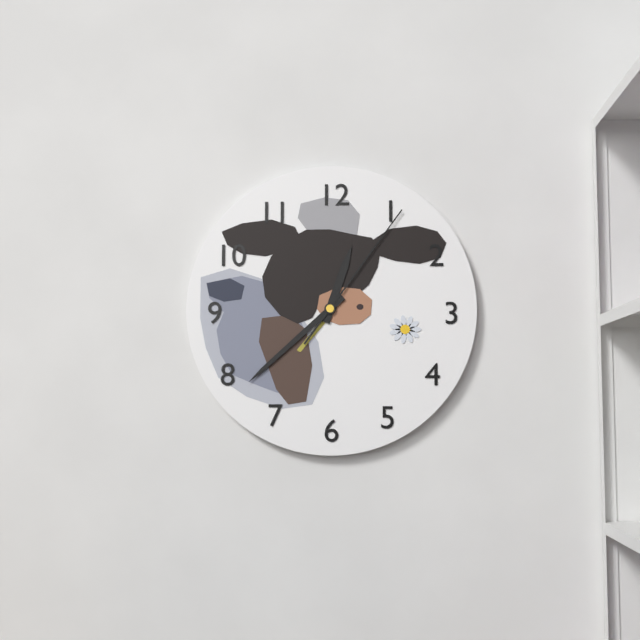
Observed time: 12:38:06
